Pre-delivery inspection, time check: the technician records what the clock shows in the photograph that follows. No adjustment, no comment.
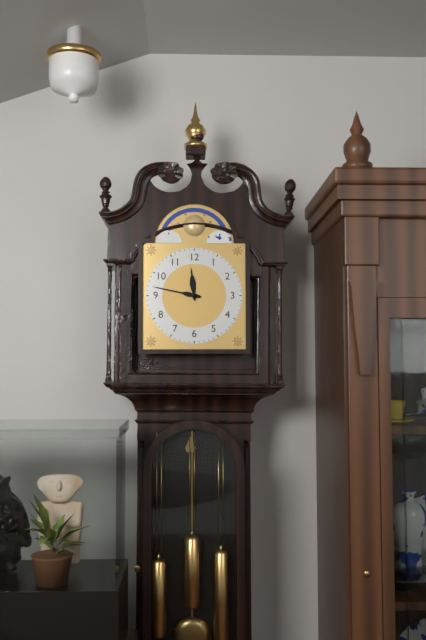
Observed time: 11:47
